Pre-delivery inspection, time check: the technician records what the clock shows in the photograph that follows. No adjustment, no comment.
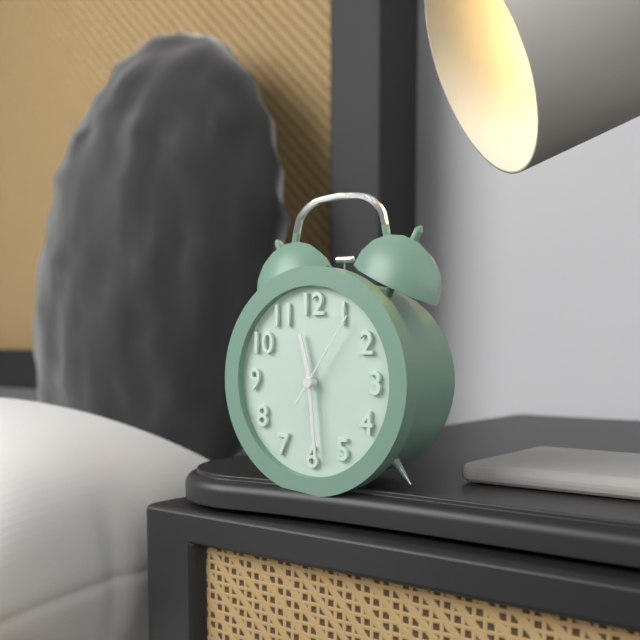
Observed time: 11:29:06
